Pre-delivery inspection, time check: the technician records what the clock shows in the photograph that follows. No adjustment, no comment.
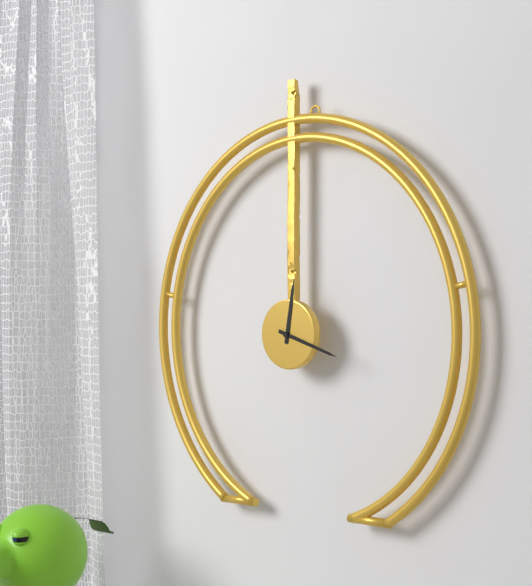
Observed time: 12:18
